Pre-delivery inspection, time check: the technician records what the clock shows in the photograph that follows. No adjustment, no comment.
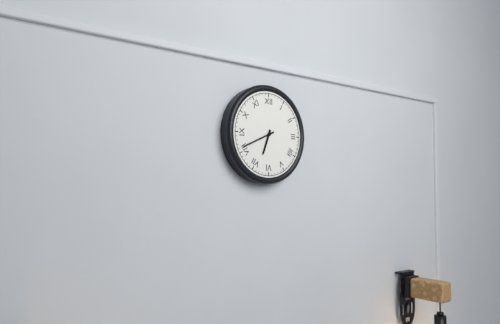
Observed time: 6:41
